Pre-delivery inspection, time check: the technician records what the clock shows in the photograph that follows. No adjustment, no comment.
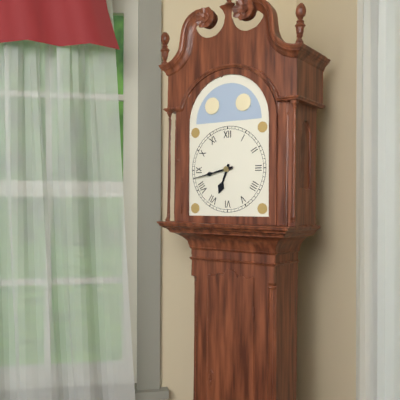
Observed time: 6:43
